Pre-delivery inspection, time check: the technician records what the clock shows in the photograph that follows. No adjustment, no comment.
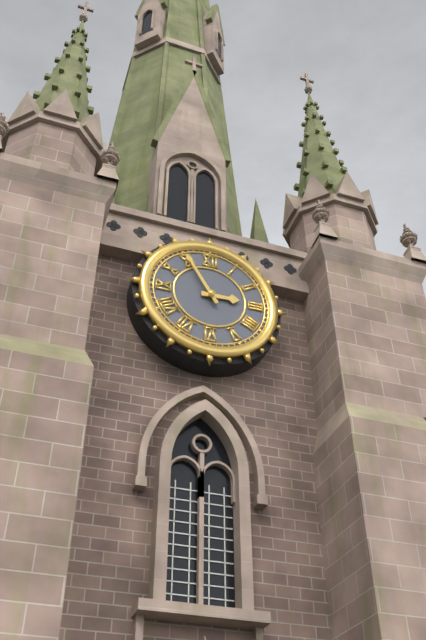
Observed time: 2:55
